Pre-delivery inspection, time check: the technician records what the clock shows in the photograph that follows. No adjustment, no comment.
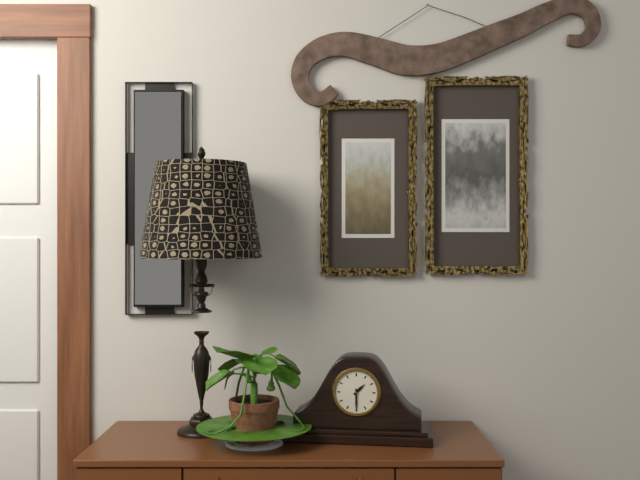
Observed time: 1:30
